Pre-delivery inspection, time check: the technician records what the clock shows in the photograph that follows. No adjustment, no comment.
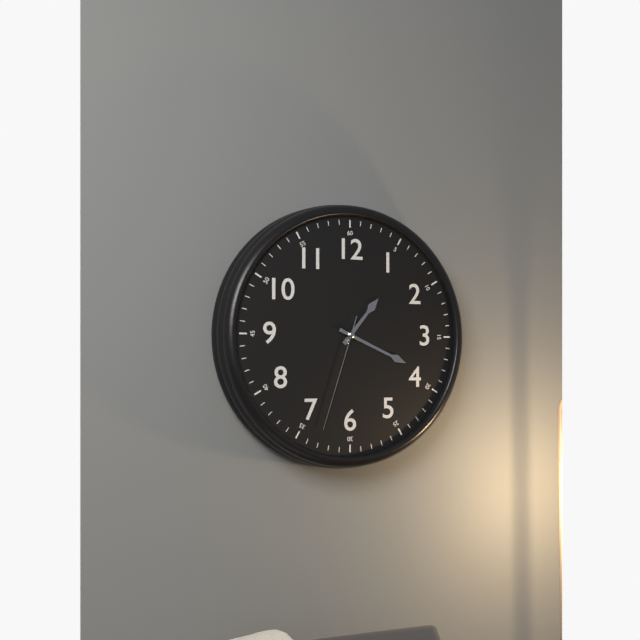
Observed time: 1:19:33
